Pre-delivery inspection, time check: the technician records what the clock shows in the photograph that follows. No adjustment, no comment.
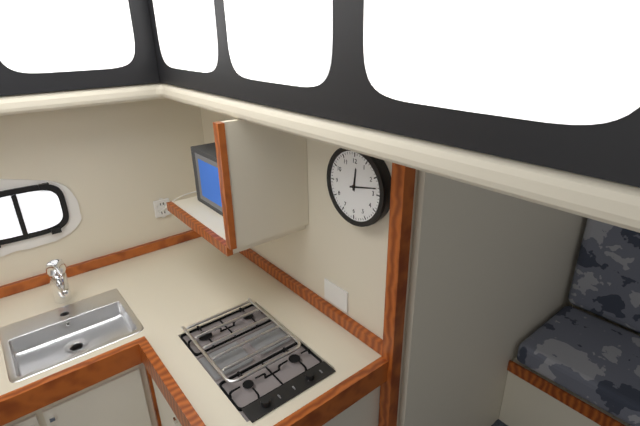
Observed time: 12:13
